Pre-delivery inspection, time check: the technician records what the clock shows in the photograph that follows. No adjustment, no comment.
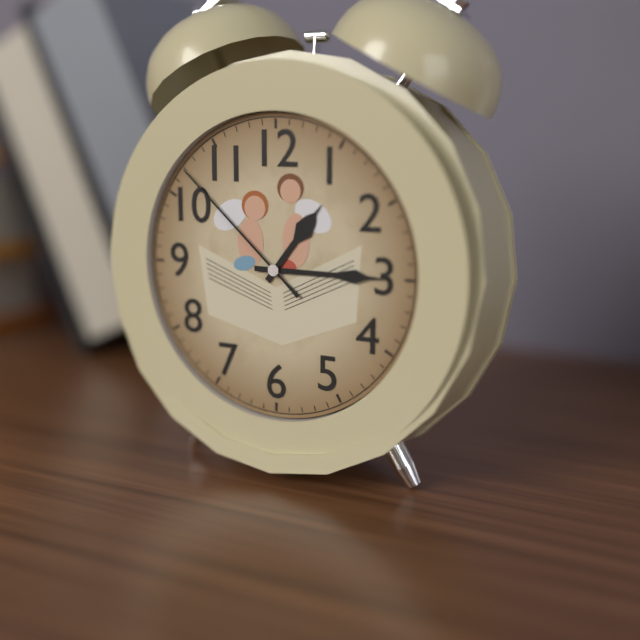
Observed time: 1:15:52
